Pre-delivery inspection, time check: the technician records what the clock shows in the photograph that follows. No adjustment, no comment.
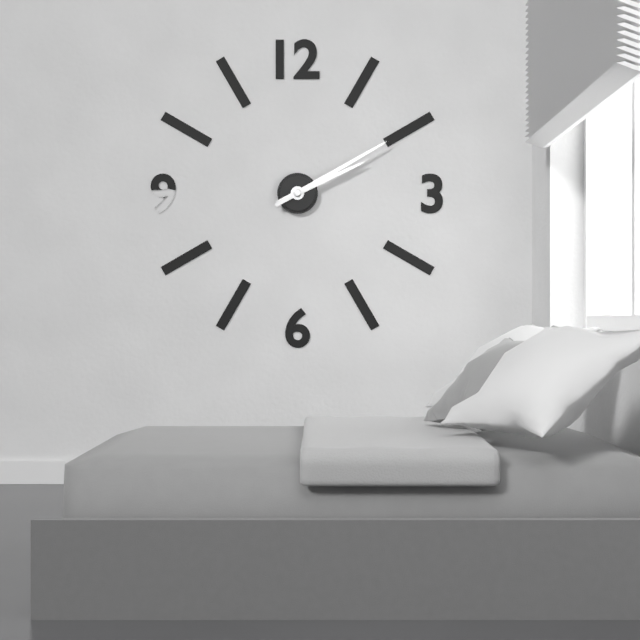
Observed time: 2:10
